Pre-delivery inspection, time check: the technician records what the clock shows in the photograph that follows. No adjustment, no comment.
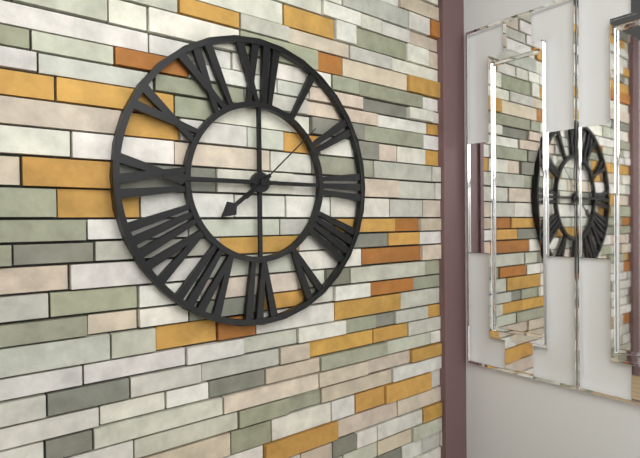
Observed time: 7:45:08
